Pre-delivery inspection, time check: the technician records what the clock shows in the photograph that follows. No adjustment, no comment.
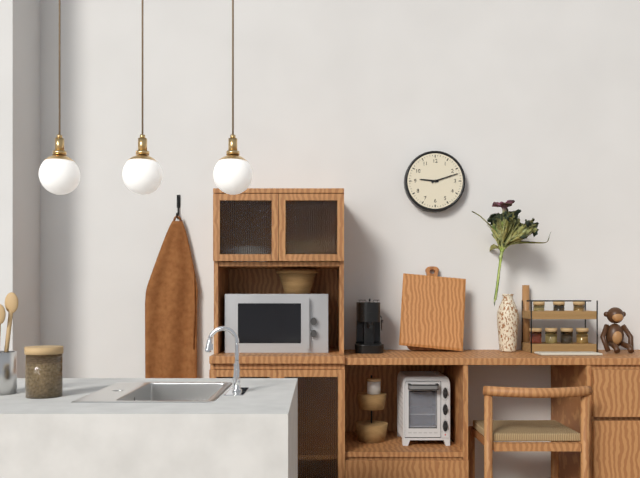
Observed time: 9:12
